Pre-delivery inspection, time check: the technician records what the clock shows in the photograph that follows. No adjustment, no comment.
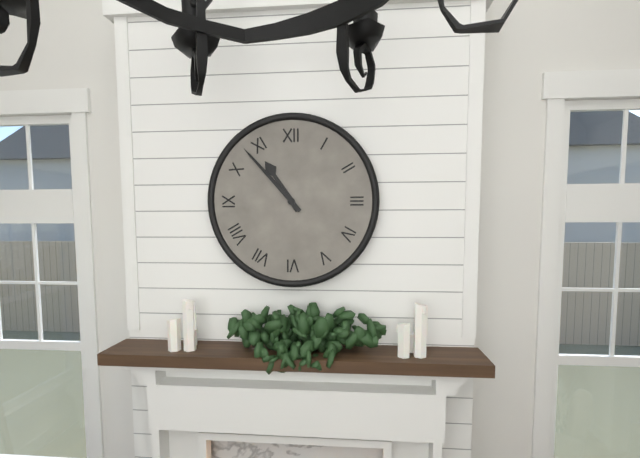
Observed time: 10:53
